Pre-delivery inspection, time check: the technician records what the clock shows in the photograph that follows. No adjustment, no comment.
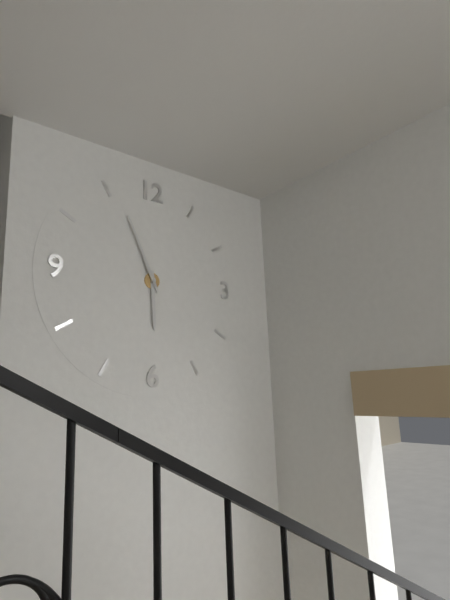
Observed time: 5:56
